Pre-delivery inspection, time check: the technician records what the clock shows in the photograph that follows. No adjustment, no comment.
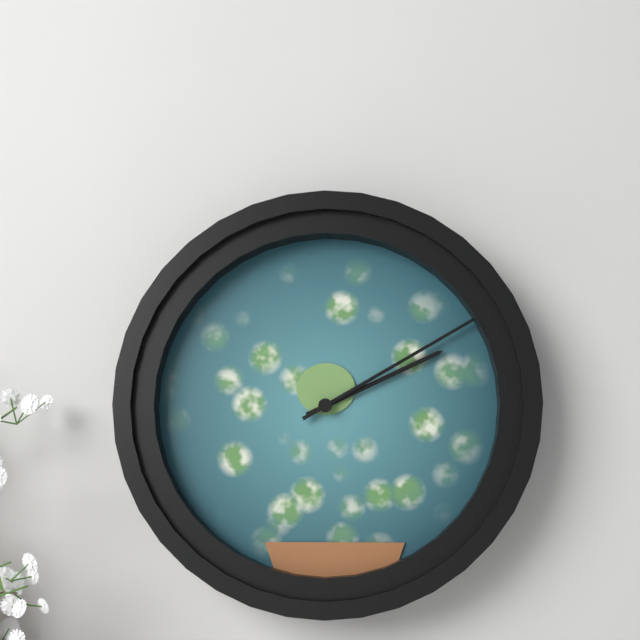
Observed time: 2:10
